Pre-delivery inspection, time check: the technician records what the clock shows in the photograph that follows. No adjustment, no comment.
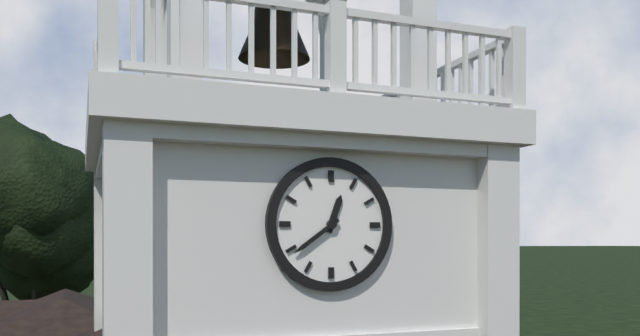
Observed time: 12:39
